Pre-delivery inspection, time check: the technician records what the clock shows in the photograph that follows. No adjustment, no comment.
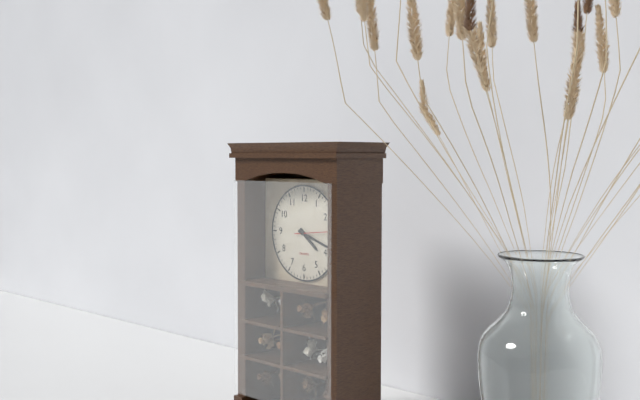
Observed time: 4:18
